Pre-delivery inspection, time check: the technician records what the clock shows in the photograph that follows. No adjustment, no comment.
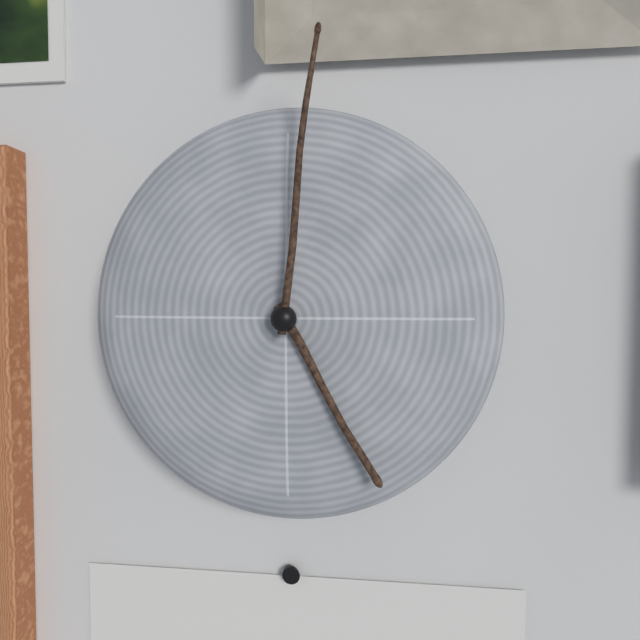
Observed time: 5:01
